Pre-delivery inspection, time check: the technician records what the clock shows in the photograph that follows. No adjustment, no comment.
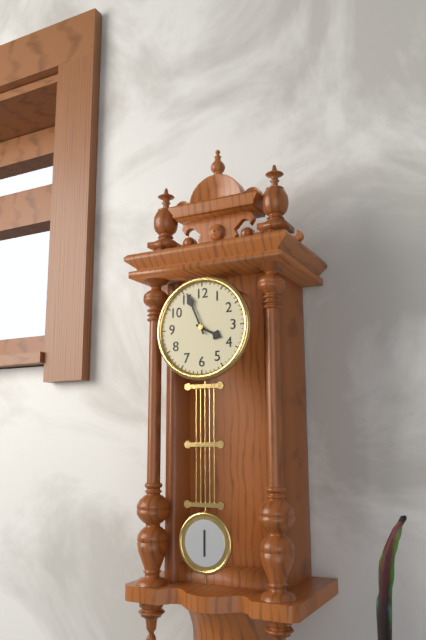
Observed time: 3:56
